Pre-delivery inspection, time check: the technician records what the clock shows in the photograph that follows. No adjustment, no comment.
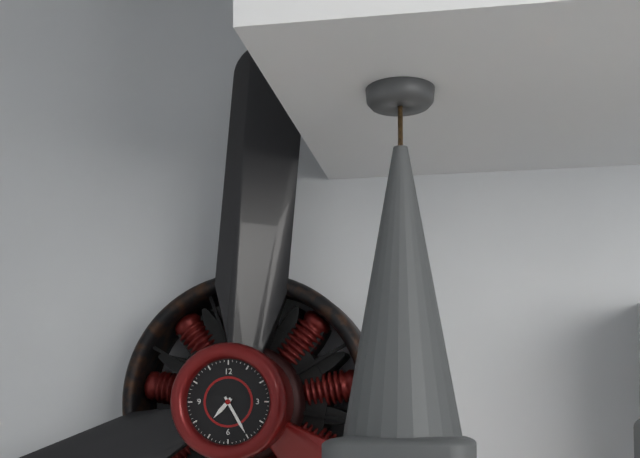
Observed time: 7:25
